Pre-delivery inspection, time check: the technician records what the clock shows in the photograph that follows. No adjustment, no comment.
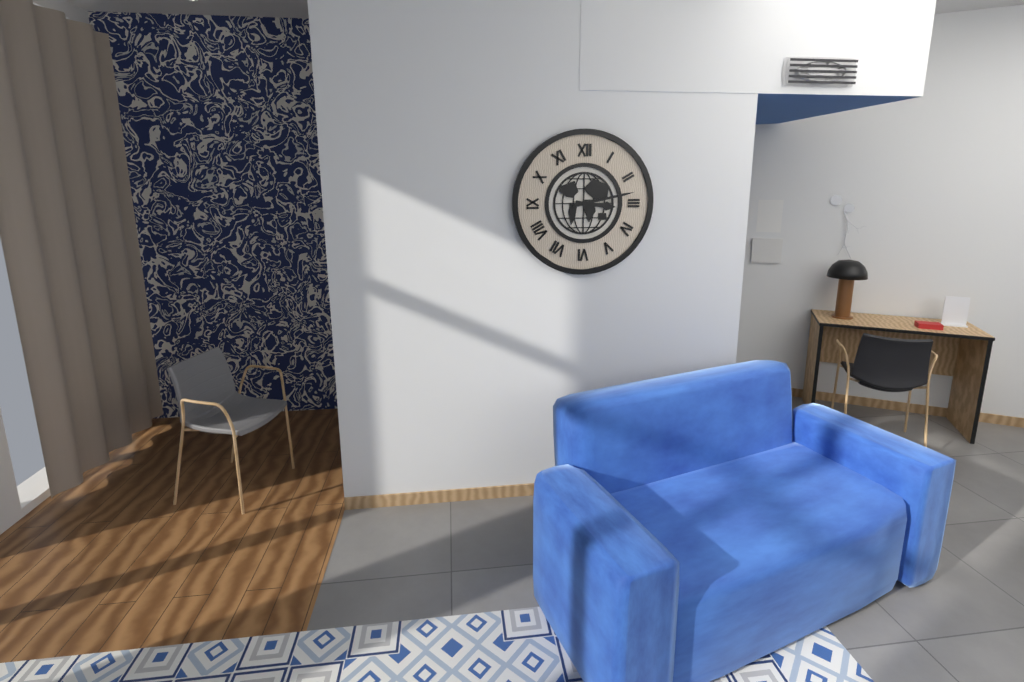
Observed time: 3:13
